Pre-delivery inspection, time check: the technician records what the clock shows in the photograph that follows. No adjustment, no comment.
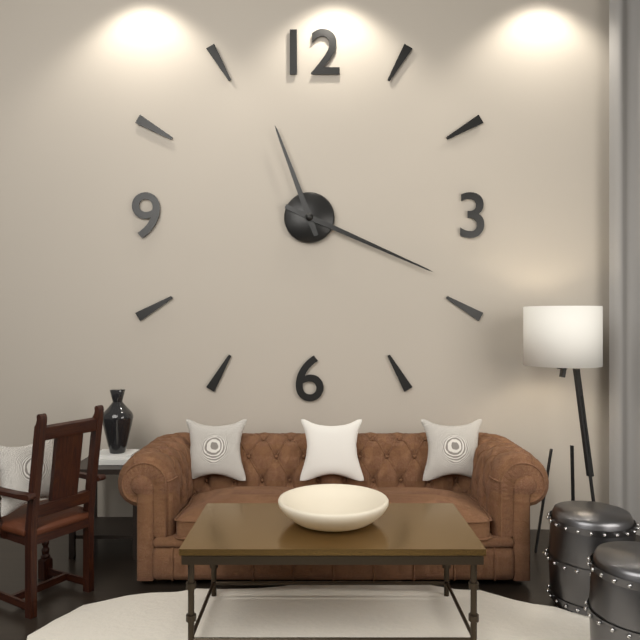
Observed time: 11:19
